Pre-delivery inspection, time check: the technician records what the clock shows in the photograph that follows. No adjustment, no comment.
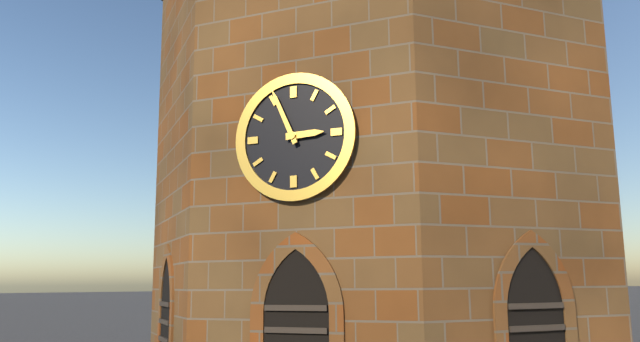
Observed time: 2:56
